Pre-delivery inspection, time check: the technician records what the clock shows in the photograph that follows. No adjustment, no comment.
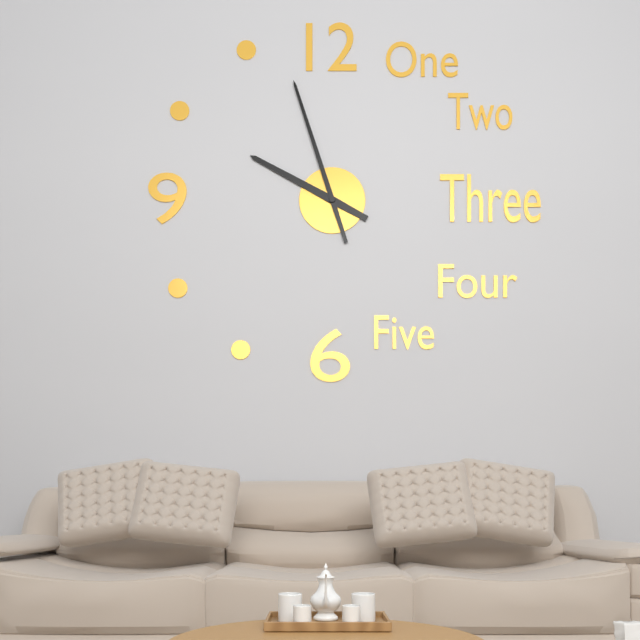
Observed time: 9:57
